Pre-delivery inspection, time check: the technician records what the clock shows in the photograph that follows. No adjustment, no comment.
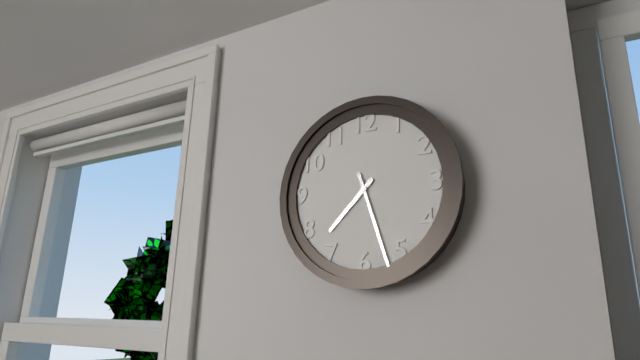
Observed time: 7:27
